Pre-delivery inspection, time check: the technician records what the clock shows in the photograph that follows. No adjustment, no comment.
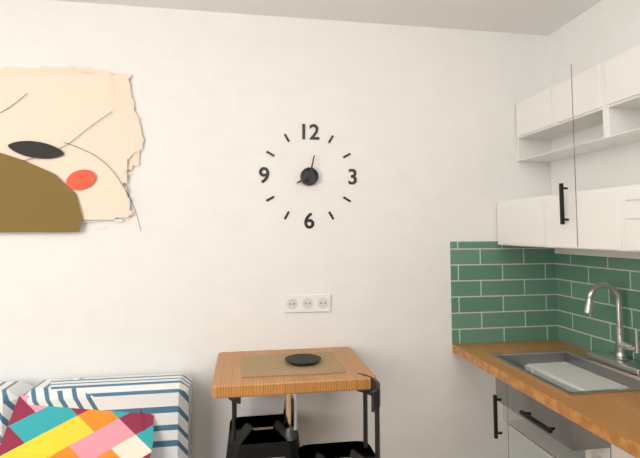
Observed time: 8:02
